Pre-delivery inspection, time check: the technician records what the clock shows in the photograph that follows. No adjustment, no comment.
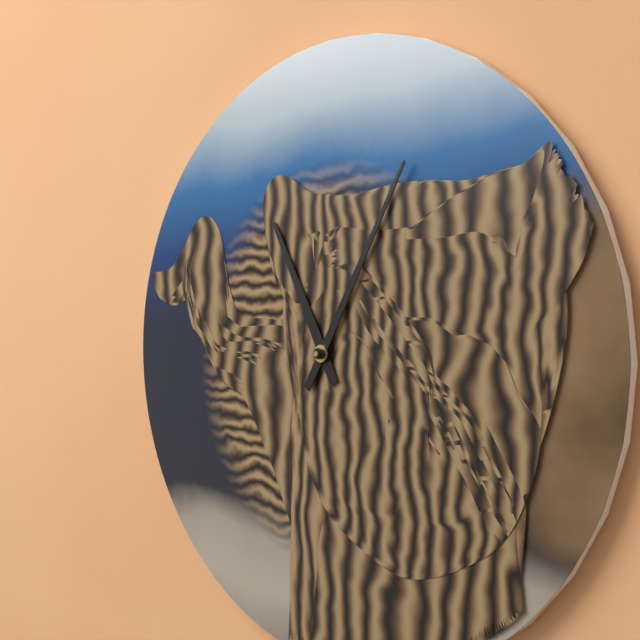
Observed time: 11:05
